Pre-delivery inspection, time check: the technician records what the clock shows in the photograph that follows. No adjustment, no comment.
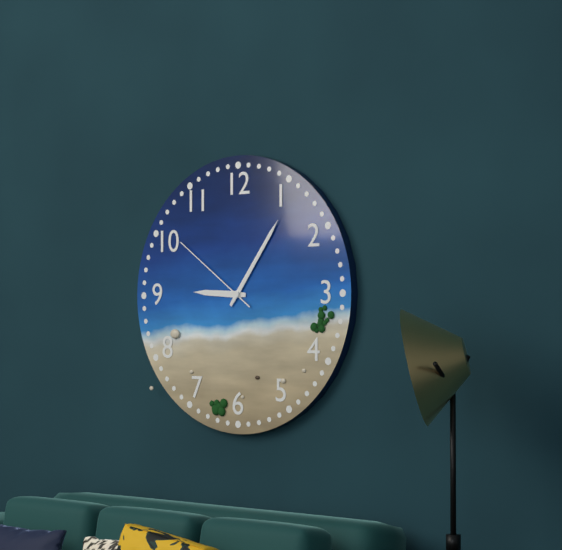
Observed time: 9:06:51
